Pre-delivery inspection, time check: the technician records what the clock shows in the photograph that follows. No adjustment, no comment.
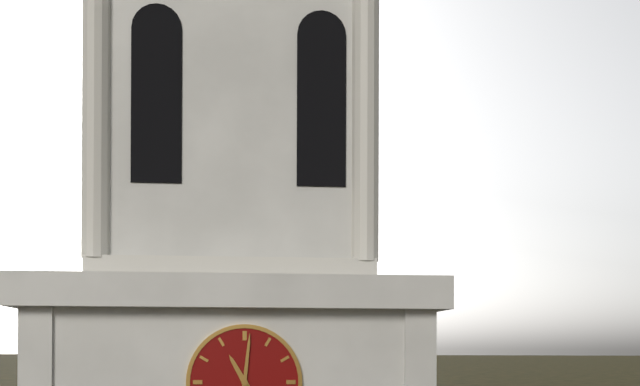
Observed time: 11:01
